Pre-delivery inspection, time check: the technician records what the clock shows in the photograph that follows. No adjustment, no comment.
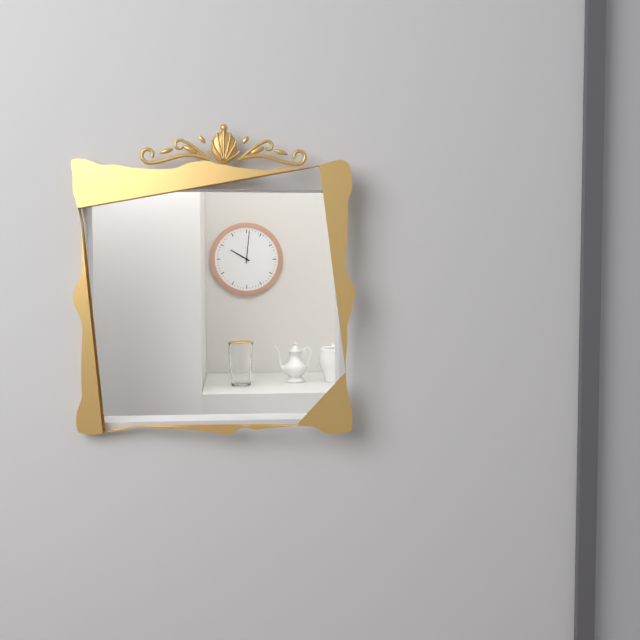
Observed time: 10:01
